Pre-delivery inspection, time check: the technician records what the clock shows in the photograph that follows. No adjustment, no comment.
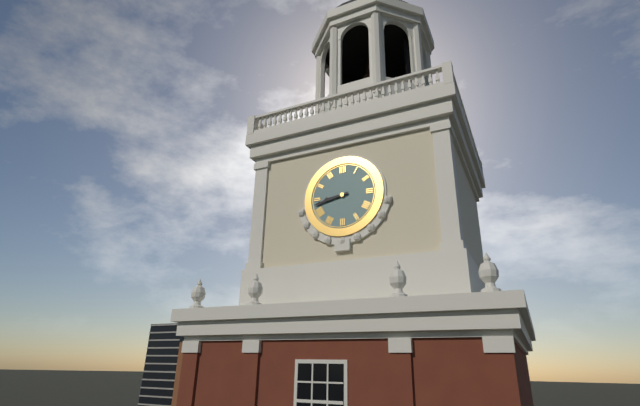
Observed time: 8:43
